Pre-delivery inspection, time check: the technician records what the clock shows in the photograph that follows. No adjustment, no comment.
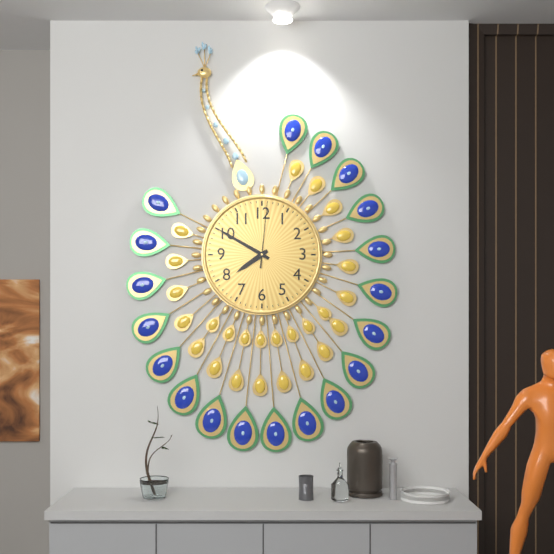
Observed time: 7:50:01
